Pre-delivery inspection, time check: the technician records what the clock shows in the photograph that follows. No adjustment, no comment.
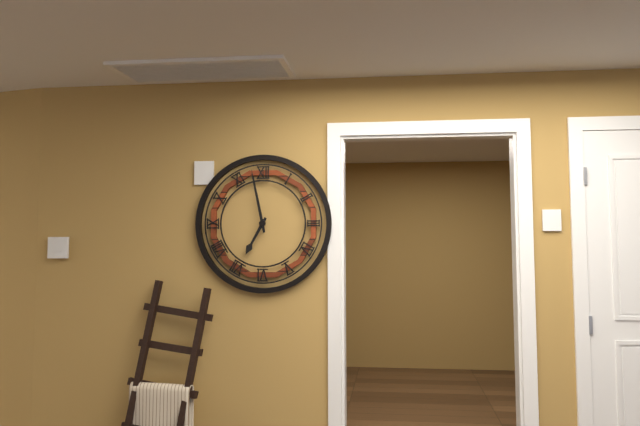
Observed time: 6:58
